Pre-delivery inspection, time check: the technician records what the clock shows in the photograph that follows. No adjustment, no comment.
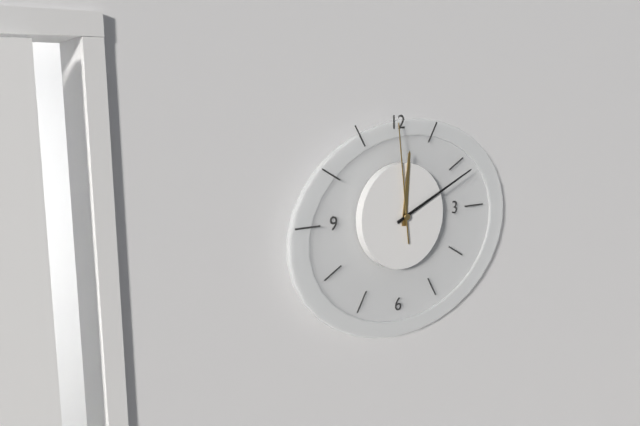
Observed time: 12:11:59
